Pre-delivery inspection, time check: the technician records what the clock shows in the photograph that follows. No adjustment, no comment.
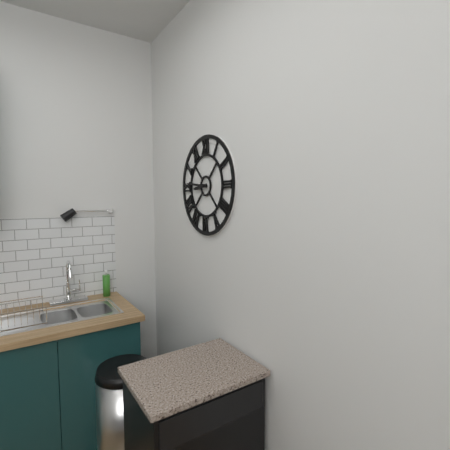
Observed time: 8:46
